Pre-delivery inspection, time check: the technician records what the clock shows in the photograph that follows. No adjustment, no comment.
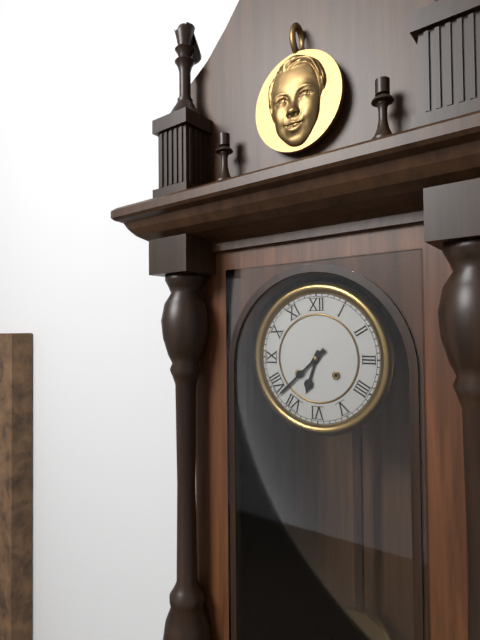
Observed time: 6:38
